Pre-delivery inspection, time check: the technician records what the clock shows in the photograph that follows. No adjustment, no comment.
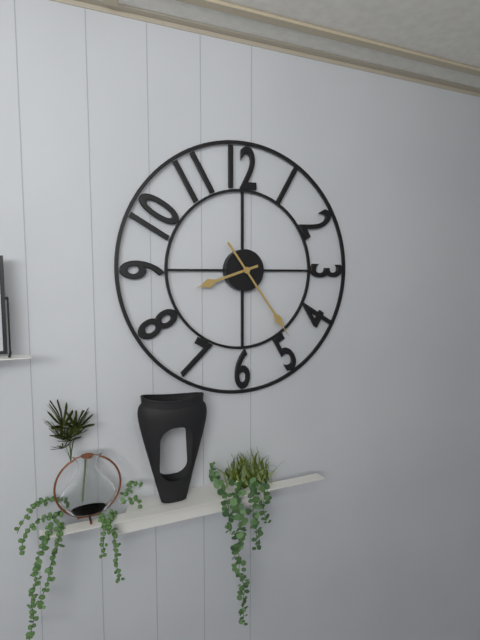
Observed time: 8:24
